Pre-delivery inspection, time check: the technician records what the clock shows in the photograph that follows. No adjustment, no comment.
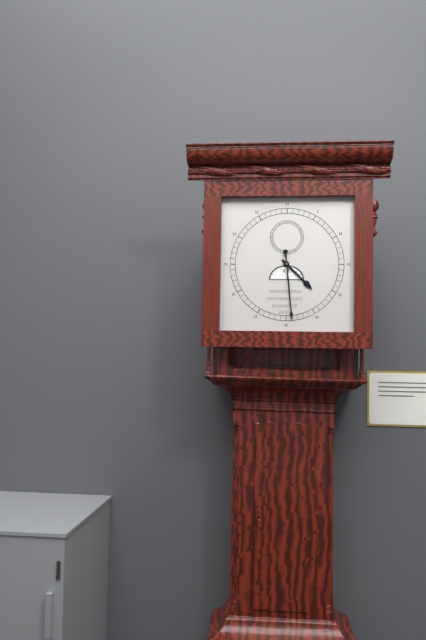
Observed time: 4:29
